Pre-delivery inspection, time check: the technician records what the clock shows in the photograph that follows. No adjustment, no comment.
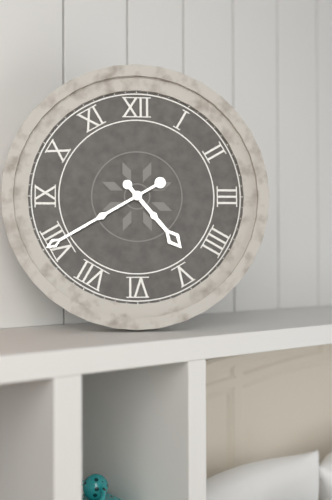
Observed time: 4:40
